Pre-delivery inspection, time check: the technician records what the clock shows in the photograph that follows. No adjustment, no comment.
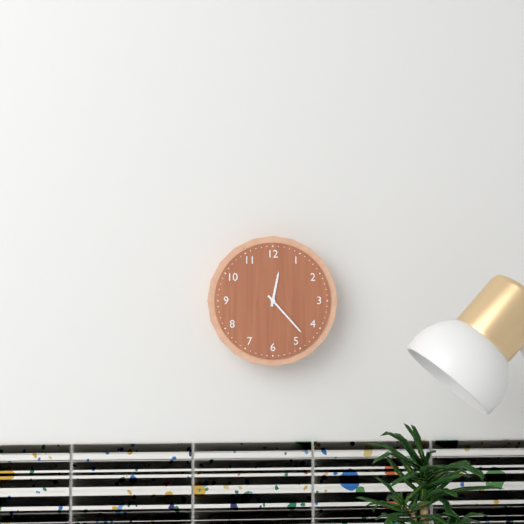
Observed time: 12:23
